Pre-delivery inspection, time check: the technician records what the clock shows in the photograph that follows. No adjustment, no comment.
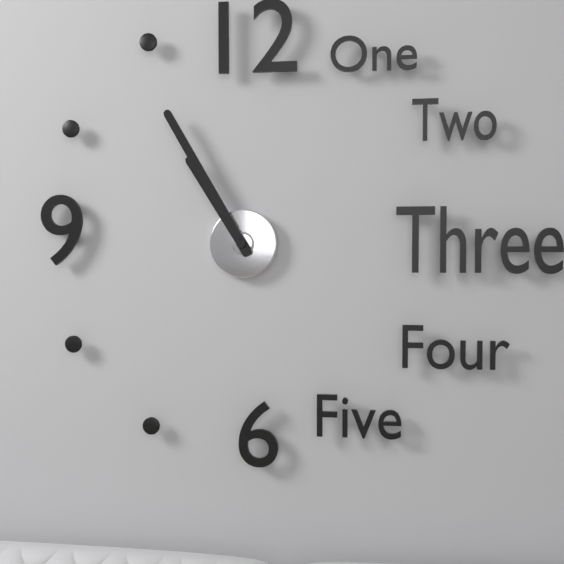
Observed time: 10:55
